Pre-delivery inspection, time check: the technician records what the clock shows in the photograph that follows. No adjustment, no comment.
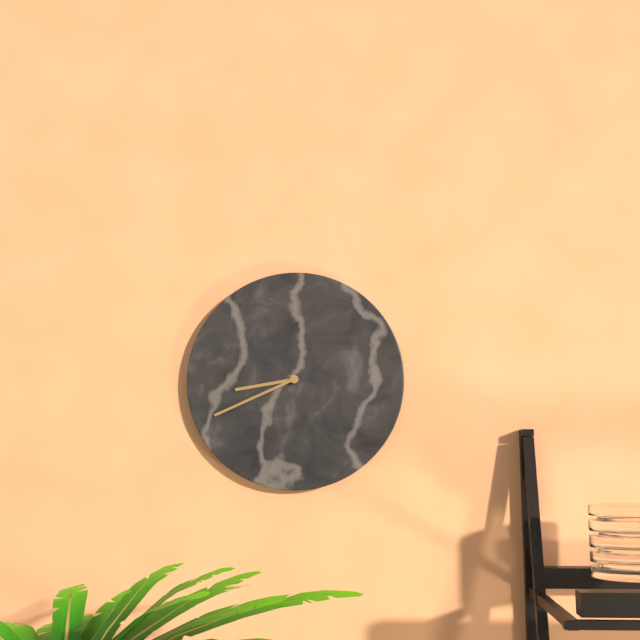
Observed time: 8:41
